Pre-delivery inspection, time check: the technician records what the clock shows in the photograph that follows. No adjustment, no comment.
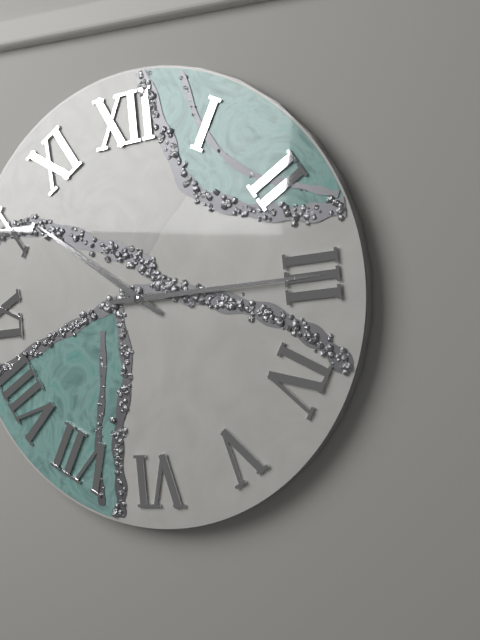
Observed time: 10:15
